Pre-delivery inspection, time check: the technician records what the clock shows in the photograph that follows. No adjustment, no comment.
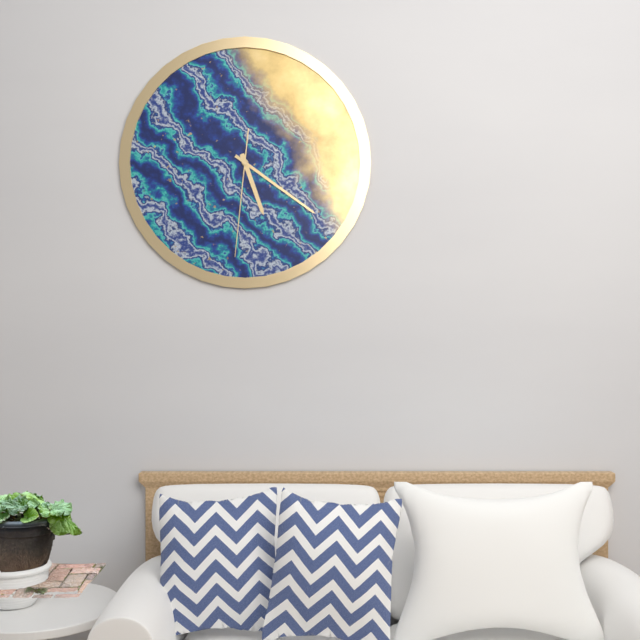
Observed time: 5:21:31
